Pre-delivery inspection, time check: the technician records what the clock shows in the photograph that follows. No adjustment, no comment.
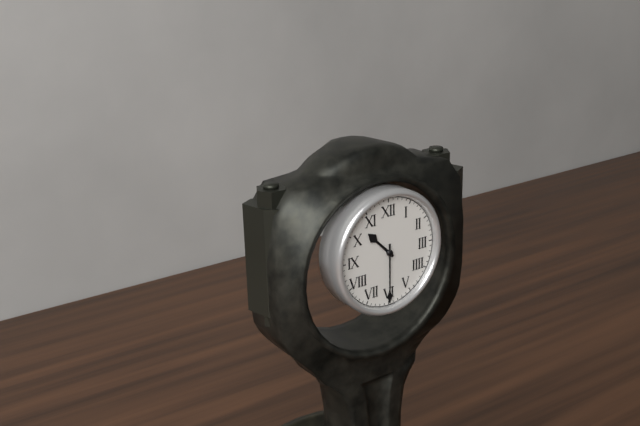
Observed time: 10:30
